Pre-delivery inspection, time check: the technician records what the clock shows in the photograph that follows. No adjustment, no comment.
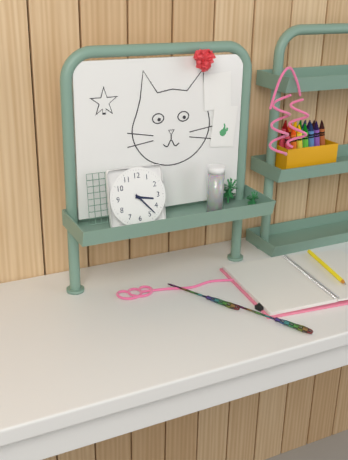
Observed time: 3:23
